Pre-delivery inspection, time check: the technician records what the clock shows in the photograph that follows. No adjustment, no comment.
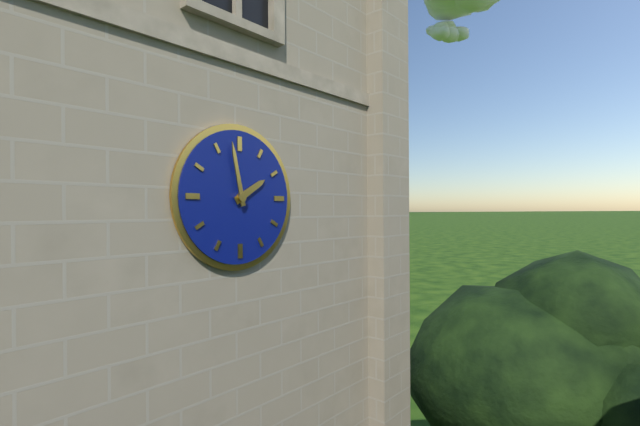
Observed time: 1:58
